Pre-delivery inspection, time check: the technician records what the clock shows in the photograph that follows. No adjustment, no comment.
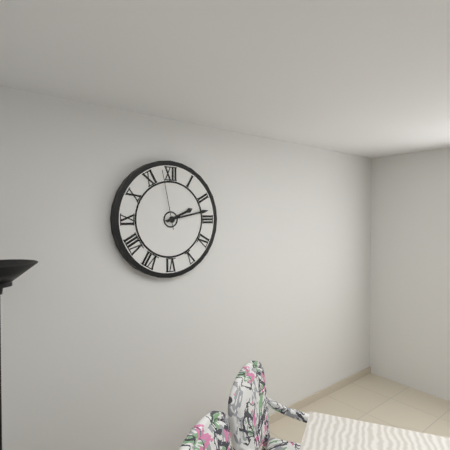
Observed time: 2:13:58
